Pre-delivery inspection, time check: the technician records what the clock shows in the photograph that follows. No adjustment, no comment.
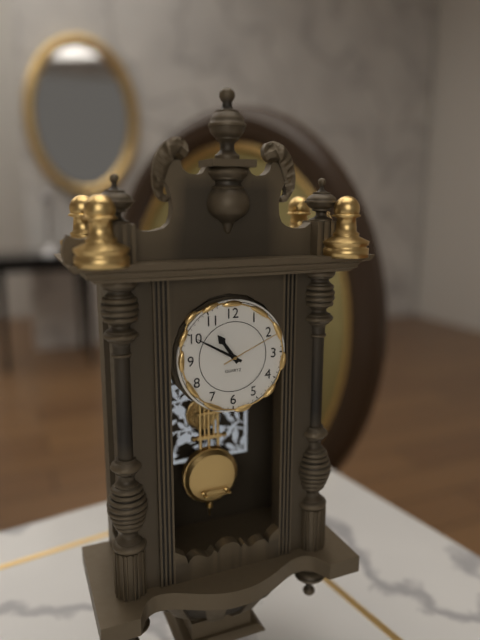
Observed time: 10:50:11
